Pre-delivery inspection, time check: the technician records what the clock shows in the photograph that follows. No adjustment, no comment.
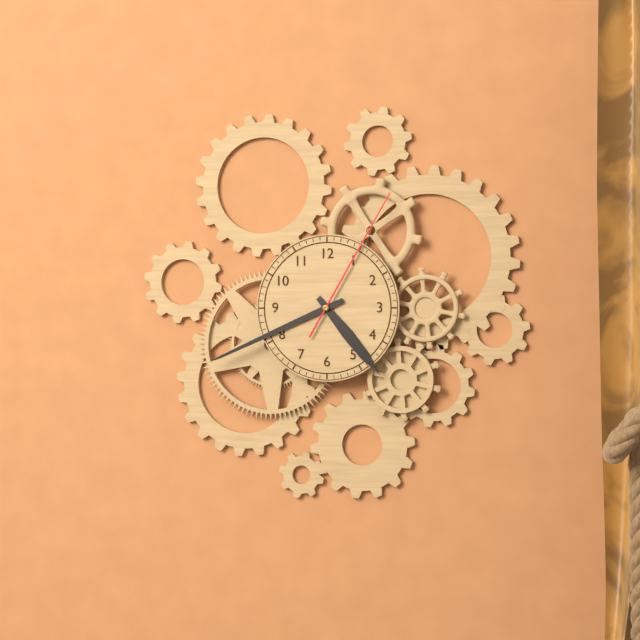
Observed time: 4:41:05
